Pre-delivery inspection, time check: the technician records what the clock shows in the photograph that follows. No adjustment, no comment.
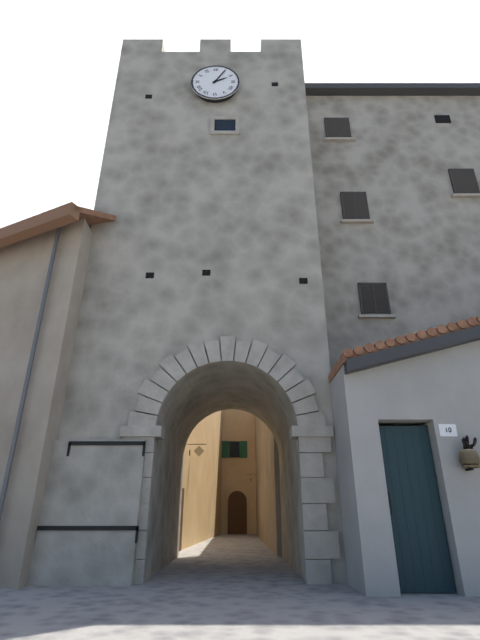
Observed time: 2:05
